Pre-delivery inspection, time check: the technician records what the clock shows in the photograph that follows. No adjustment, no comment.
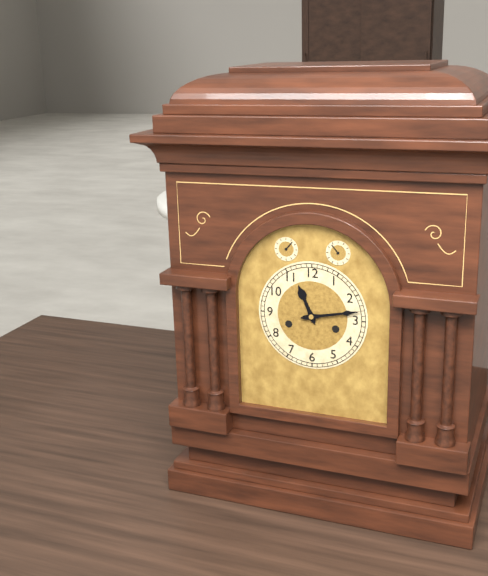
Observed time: 11:13
